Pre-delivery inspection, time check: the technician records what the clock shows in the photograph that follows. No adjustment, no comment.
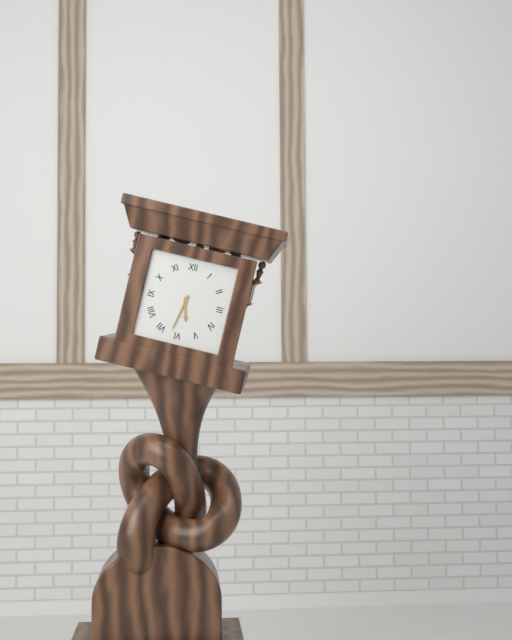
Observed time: 5:32
